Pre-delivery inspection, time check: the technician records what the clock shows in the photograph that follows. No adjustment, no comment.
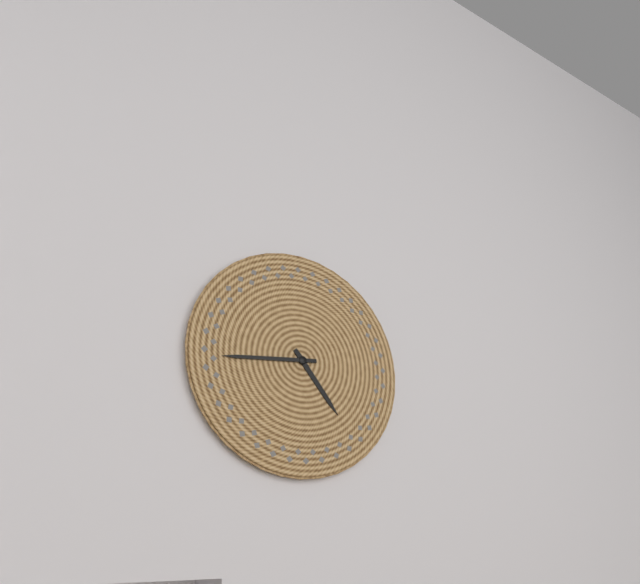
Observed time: 4:44
